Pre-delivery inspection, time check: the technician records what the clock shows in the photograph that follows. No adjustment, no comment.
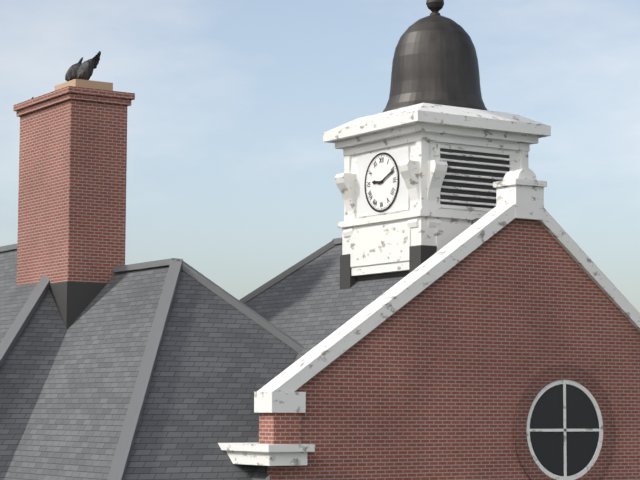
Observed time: 9:11
